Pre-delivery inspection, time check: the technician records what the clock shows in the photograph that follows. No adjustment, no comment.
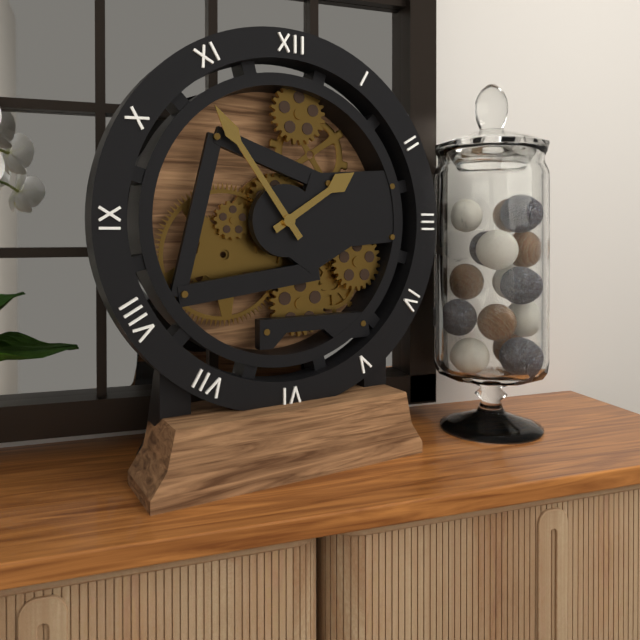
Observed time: 1:54
